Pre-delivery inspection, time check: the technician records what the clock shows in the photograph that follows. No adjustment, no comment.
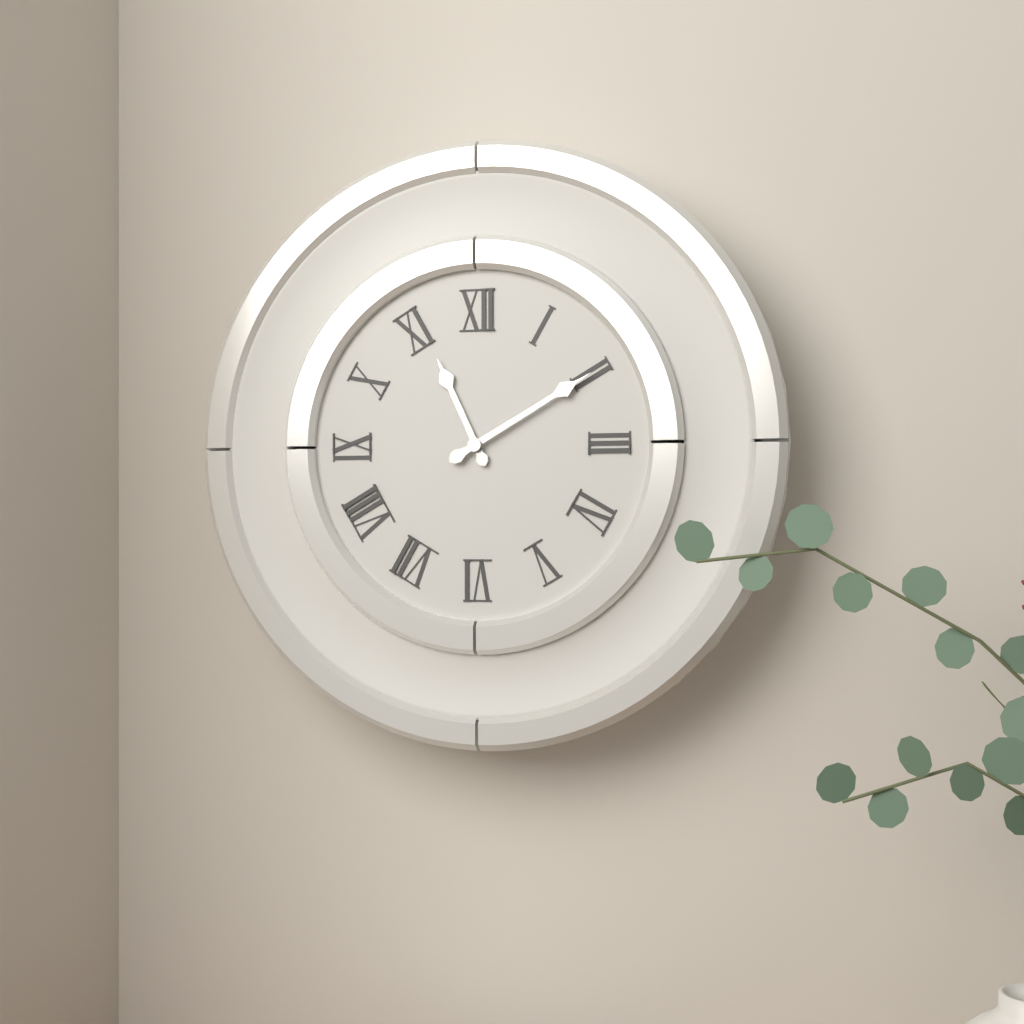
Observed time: 11:10
